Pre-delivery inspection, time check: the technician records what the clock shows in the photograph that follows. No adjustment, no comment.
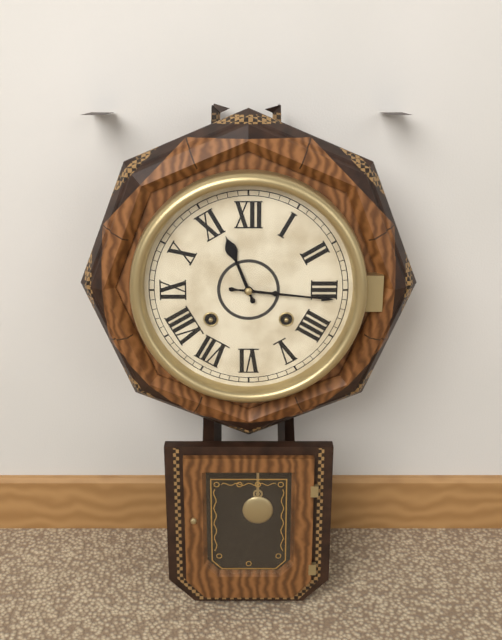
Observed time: 11:16
